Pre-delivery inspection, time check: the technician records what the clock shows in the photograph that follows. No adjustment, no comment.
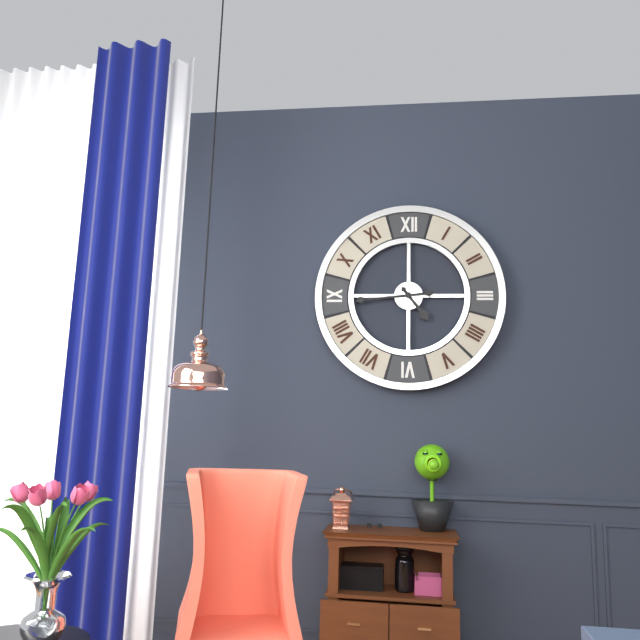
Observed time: 4:44
